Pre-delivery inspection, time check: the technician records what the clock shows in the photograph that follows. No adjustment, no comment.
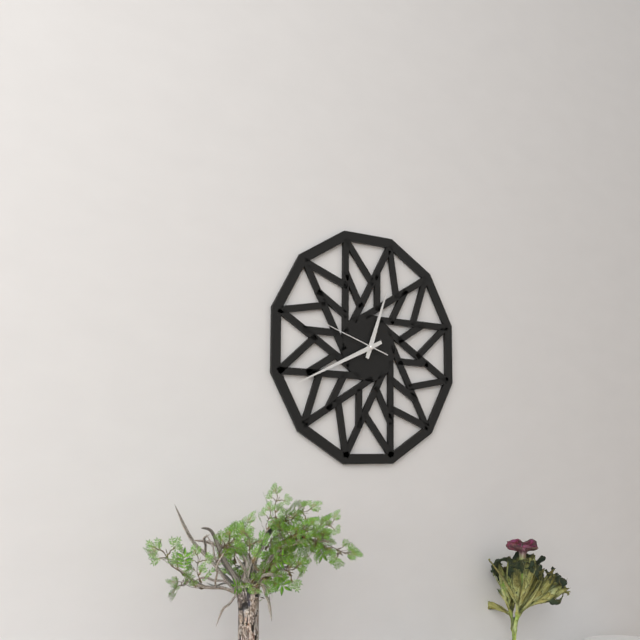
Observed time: 12:41:48
